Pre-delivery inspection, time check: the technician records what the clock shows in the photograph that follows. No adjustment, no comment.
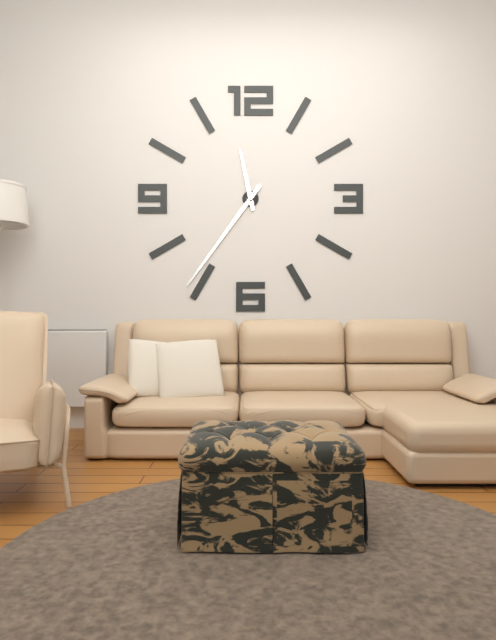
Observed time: 11:36
